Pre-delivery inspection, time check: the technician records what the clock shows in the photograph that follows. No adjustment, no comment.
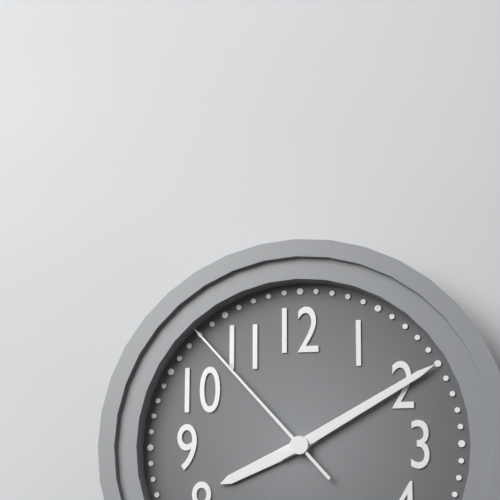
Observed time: 8:10:53
